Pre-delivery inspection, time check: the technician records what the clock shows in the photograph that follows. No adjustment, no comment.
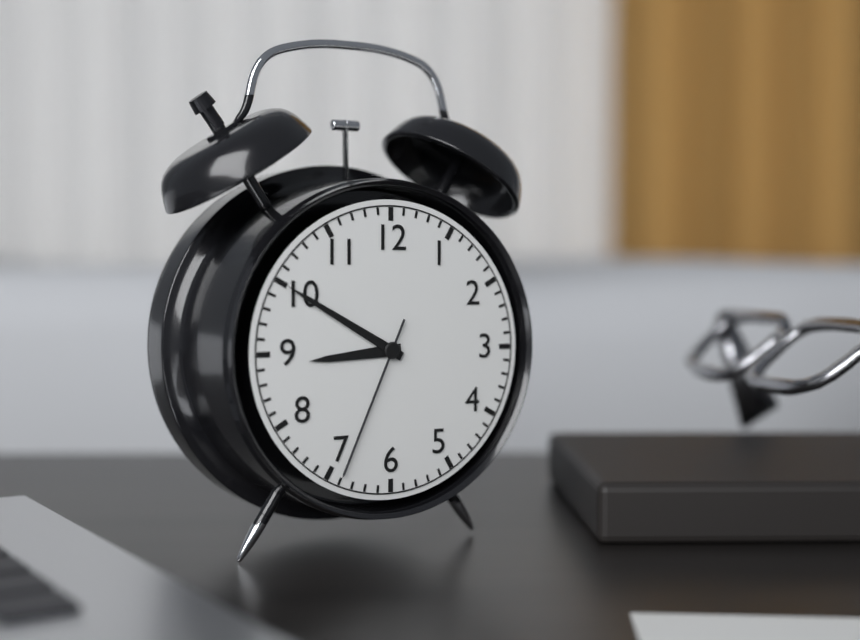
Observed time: 8:50:34
